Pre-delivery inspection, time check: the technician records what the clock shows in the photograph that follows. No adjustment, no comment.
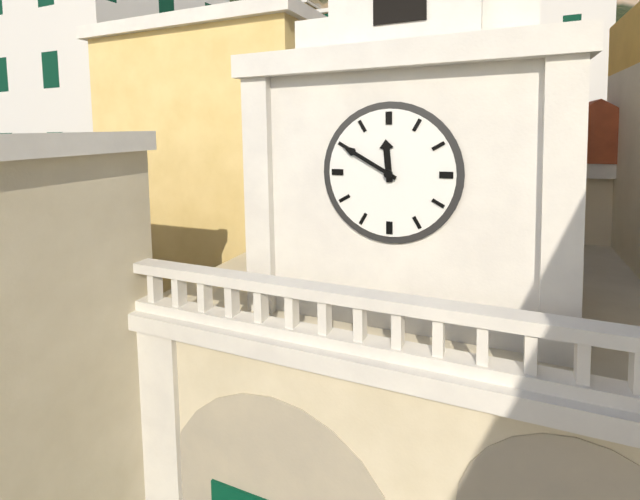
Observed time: 11:50
